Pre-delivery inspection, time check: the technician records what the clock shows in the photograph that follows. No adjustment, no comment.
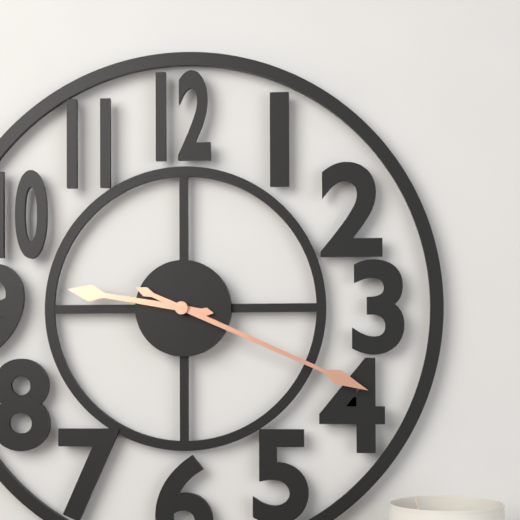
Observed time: 9:19
